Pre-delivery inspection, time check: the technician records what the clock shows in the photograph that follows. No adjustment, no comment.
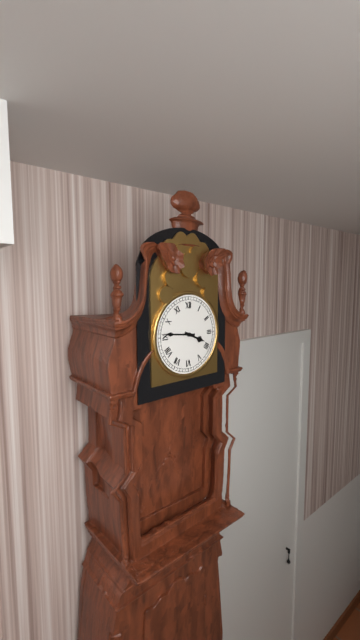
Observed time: 3:46
